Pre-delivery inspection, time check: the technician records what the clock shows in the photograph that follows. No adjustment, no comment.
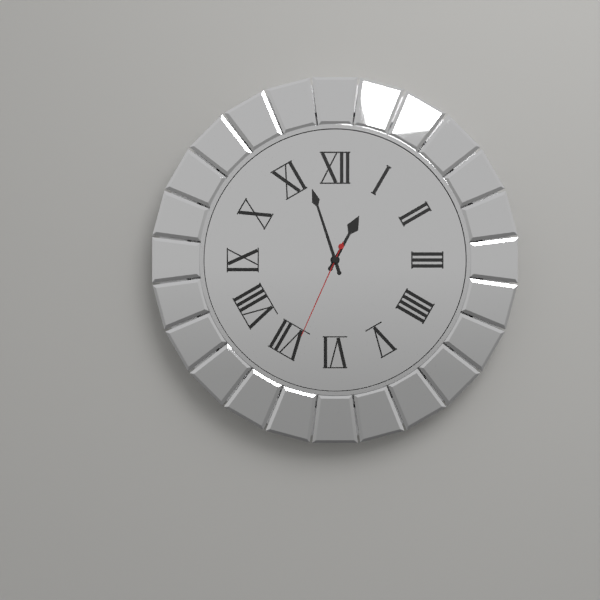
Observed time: 12:57:34
